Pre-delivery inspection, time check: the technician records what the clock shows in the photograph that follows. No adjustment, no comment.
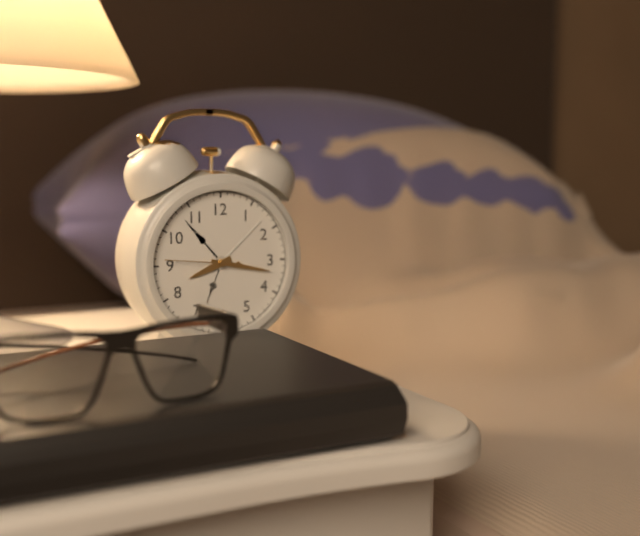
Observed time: 8:17:46
